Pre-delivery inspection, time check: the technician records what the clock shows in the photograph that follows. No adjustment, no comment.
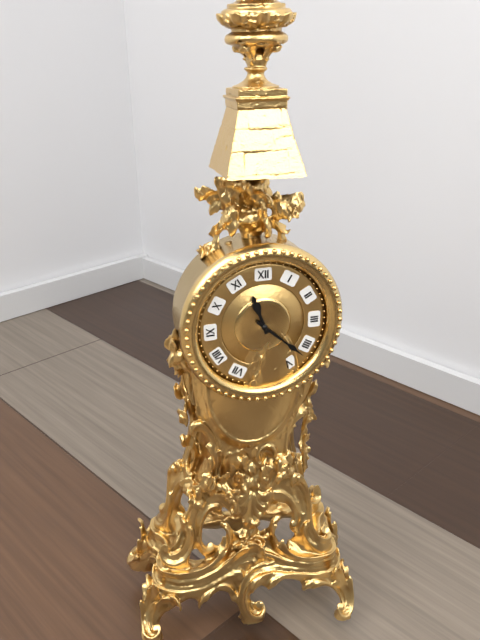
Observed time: 11:22
